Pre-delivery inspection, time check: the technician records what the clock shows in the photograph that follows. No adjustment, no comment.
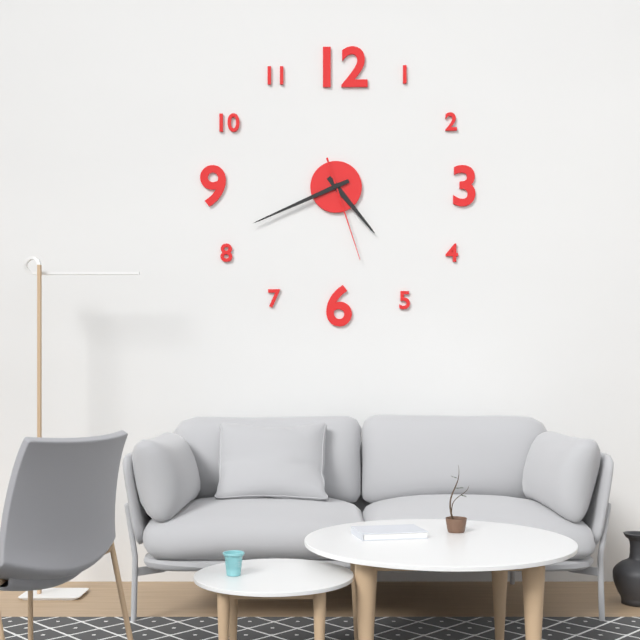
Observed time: 4:41:27
